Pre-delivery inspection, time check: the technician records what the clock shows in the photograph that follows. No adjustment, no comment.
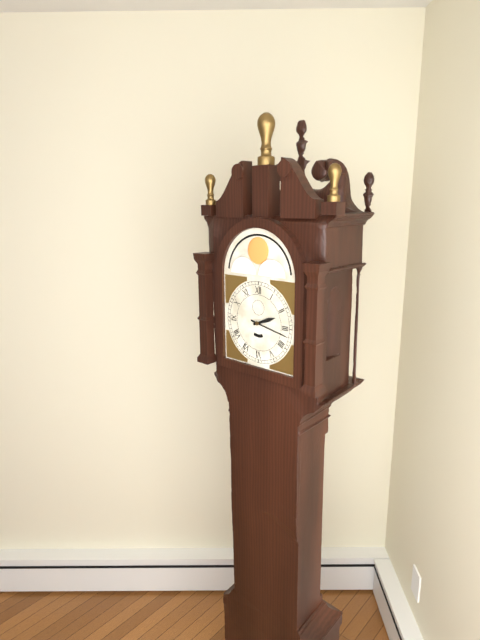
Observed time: 2:17
